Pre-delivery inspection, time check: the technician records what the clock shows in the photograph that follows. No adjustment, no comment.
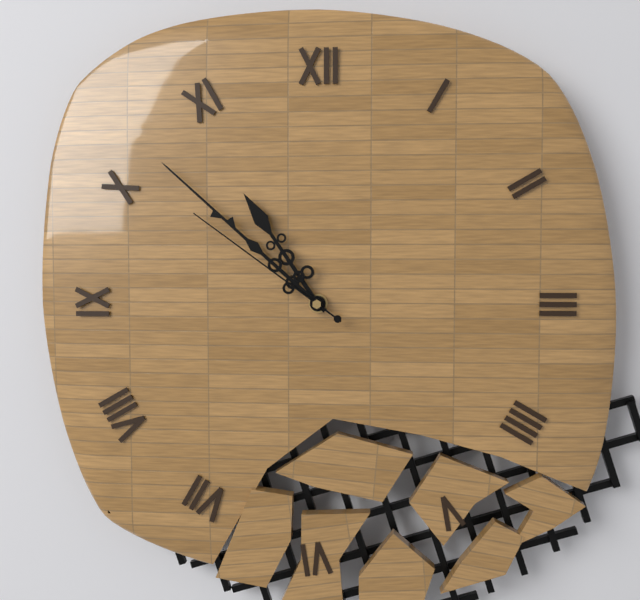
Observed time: 10:52:51
